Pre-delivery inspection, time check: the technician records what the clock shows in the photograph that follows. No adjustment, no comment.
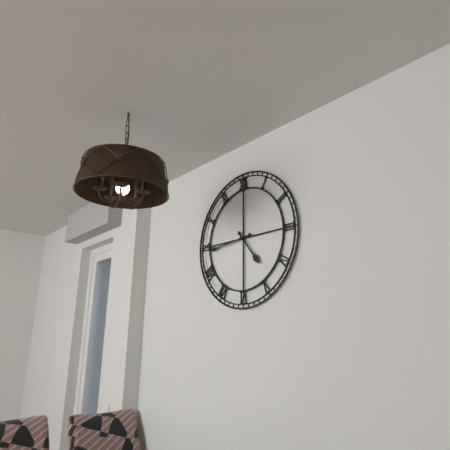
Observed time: 4:44
